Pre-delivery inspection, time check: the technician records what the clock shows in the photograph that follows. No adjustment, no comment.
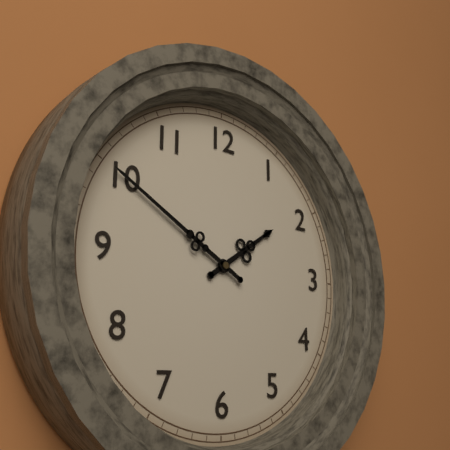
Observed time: 1:50
